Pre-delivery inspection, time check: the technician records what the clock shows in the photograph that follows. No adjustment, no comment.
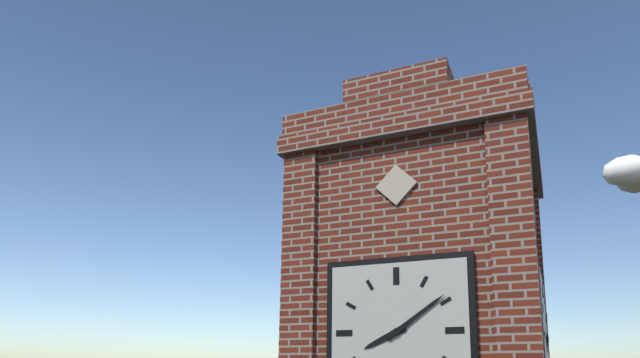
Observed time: 8:09
